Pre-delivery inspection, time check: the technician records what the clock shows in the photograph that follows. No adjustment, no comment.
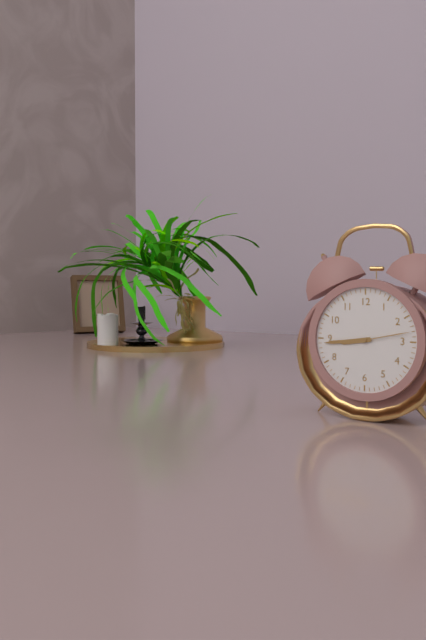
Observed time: 8:44:13
